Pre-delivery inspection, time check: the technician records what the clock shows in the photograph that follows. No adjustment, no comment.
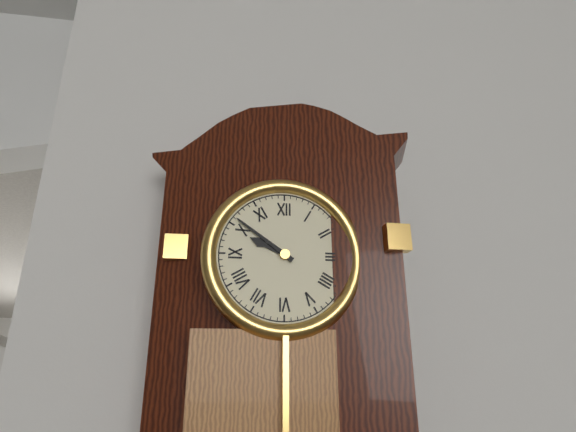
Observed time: 9:51
